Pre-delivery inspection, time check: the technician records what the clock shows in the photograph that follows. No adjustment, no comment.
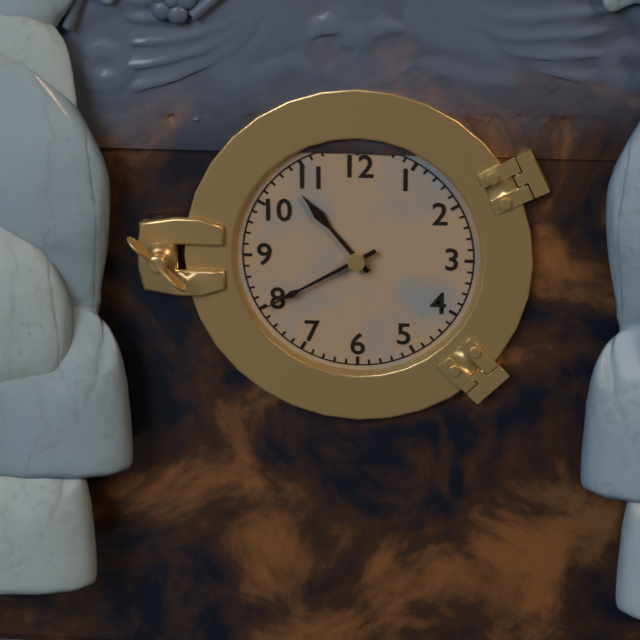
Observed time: 10:40
